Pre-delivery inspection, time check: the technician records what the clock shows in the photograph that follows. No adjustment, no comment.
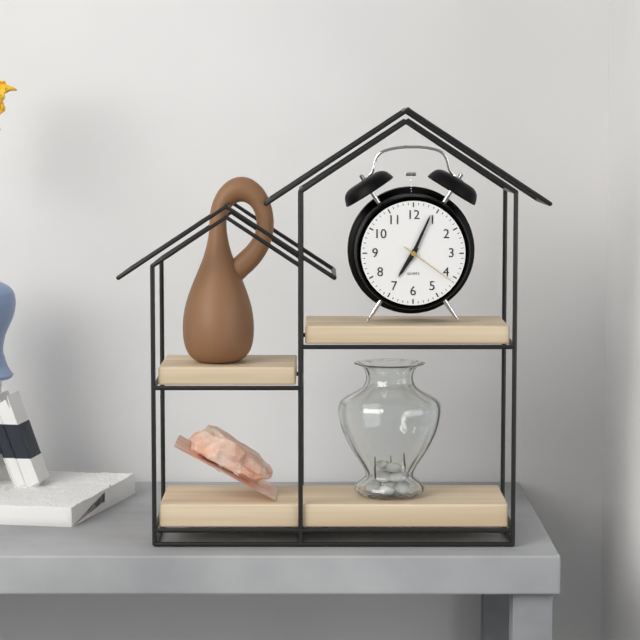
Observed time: 7:04:21
